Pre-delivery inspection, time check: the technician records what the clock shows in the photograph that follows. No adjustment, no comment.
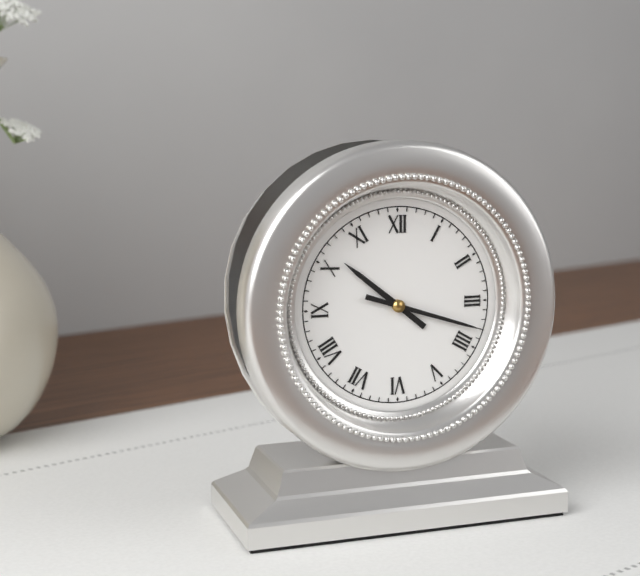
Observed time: 10:18
